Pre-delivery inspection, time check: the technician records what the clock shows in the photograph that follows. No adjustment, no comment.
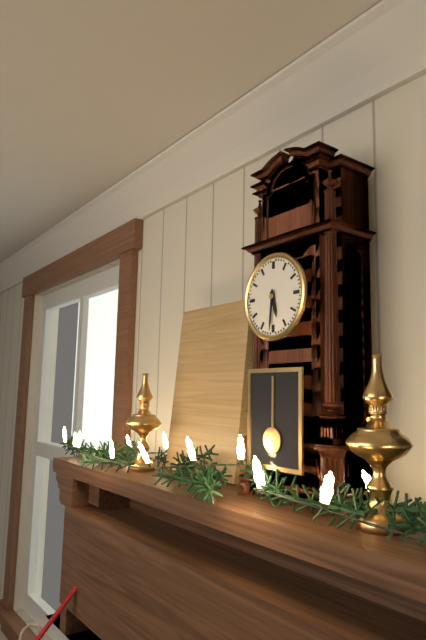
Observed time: 5:31
